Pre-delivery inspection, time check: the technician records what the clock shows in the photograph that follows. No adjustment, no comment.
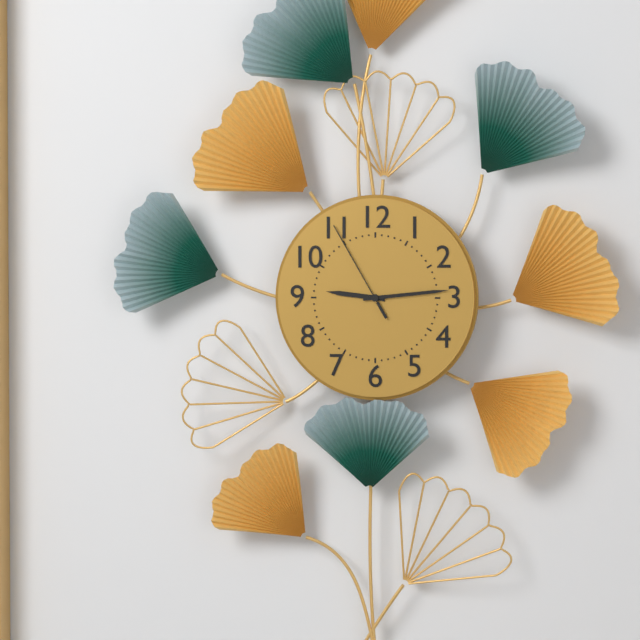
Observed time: 9:14:55
